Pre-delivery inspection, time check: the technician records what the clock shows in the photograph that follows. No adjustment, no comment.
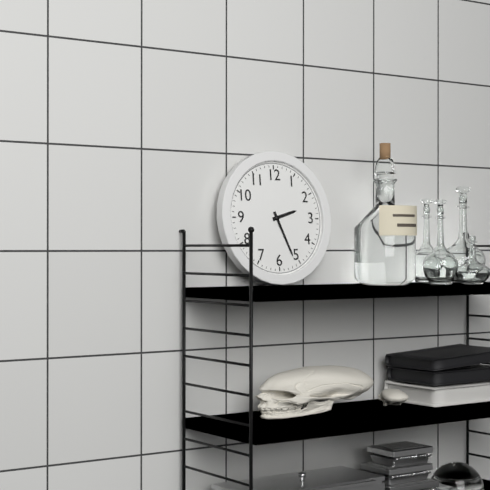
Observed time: 2:26
